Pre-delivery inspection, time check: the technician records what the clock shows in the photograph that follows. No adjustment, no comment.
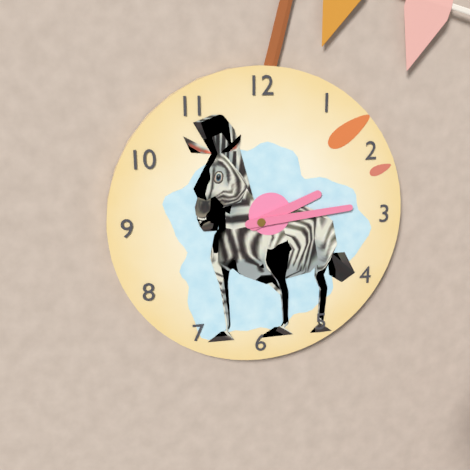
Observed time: 2:14
